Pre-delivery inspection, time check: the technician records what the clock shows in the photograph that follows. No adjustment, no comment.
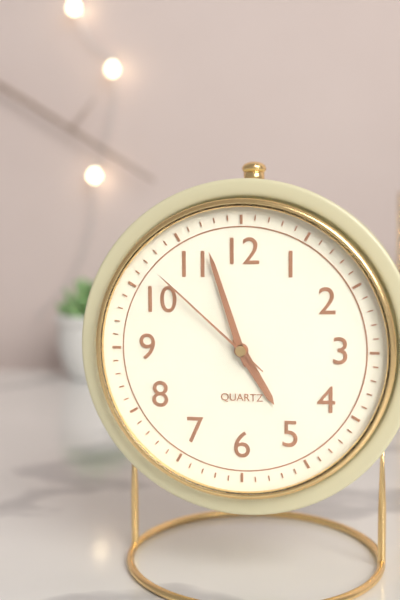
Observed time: 4:57:52
